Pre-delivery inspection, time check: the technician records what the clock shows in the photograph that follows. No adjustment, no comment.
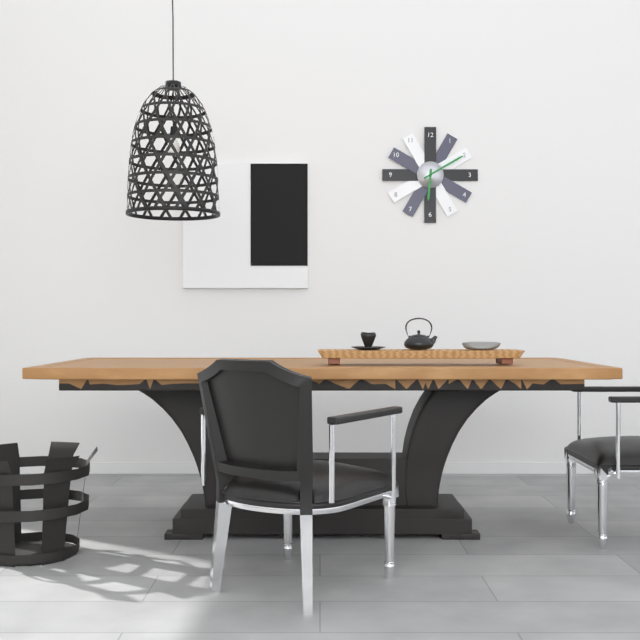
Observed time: 6:10
